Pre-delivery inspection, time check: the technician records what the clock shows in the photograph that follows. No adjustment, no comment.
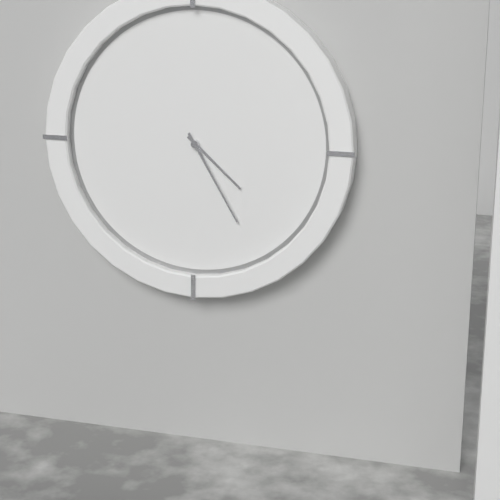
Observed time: 4:25
